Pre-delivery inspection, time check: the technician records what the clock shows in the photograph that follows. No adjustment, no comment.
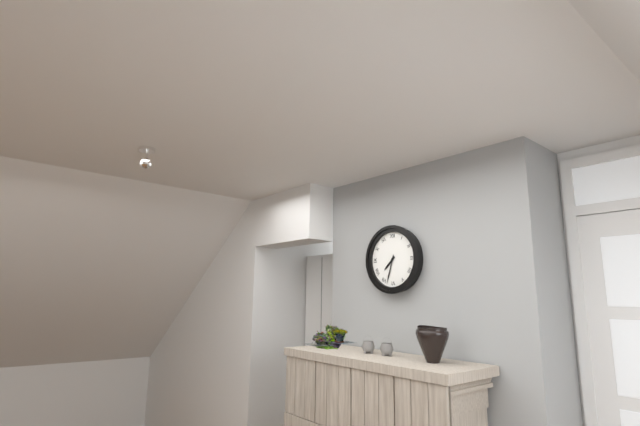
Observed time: 7:33
